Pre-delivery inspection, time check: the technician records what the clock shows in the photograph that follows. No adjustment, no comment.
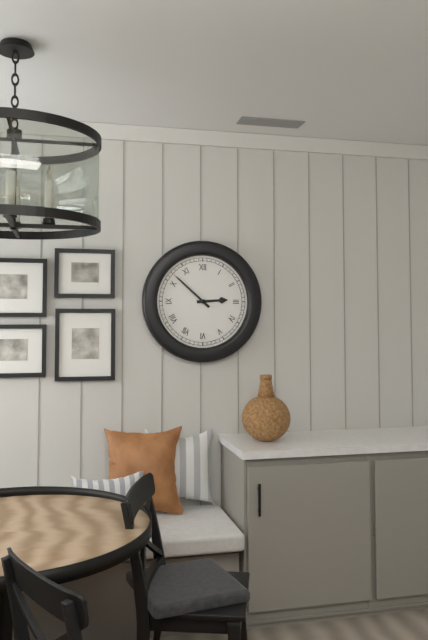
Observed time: 2:52
